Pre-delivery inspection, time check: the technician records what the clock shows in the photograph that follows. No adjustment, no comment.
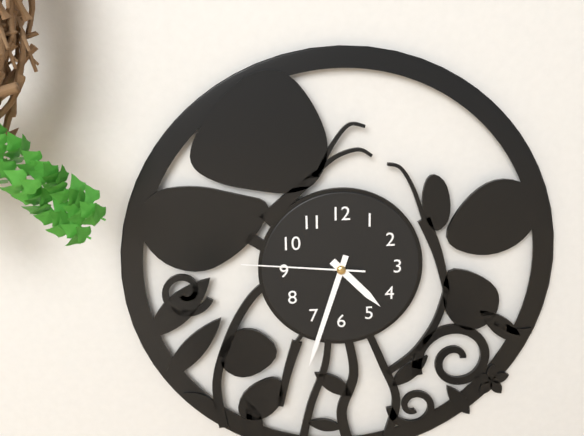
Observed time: 4:33:46
